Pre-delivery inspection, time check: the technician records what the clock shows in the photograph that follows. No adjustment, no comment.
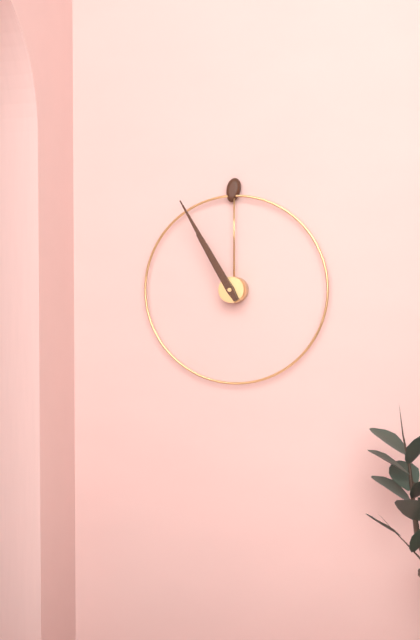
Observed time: 10:55
